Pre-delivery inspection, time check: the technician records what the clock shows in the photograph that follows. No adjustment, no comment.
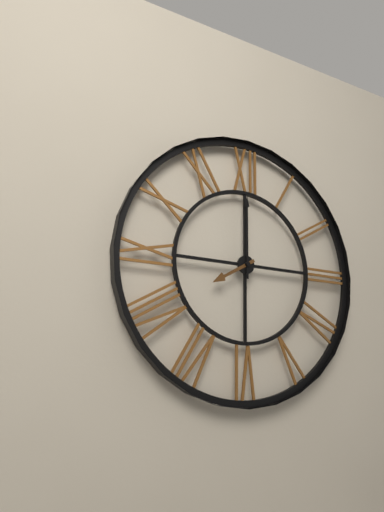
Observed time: 8:00
